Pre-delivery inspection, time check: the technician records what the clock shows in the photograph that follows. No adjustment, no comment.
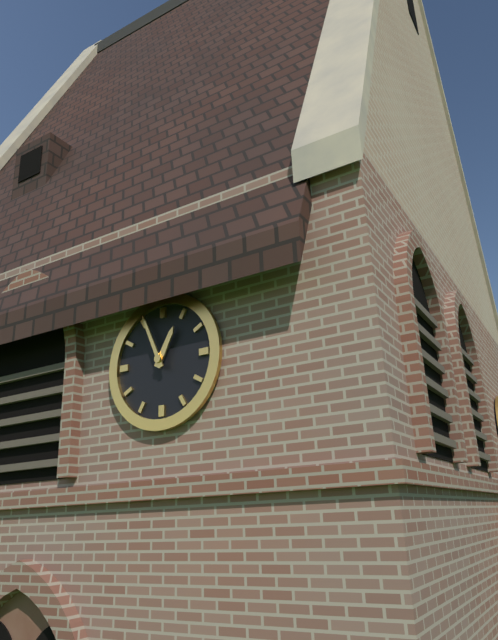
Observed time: 12:56
